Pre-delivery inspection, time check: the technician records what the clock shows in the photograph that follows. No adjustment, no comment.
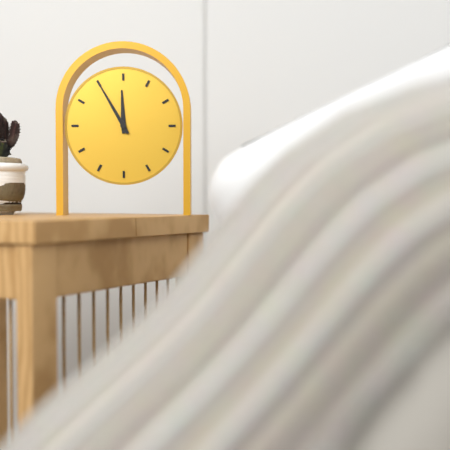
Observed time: 11:55
